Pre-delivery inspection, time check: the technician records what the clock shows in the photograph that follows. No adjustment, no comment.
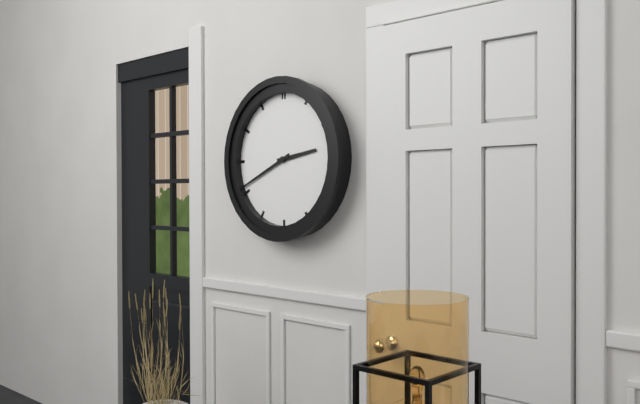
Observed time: 2:41
